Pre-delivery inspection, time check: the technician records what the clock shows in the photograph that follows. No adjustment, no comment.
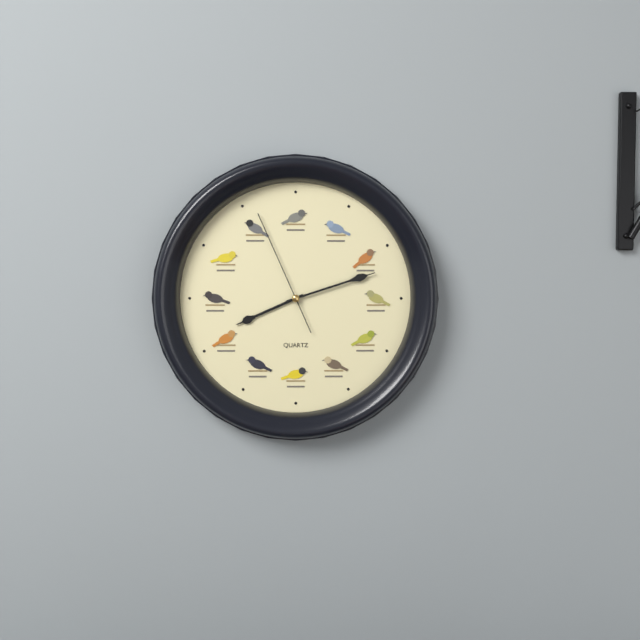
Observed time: 8:12:56
